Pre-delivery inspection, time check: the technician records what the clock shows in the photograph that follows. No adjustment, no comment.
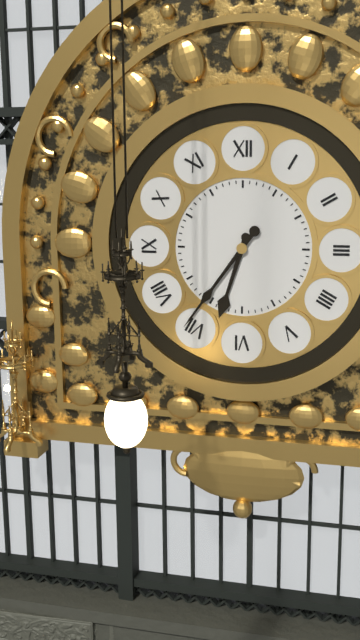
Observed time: 6:36
